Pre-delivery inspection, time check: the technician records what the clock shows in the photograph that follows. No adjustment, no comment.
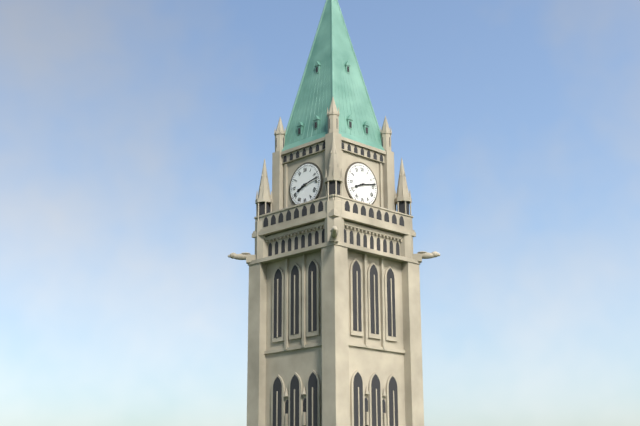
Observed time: 8:13
